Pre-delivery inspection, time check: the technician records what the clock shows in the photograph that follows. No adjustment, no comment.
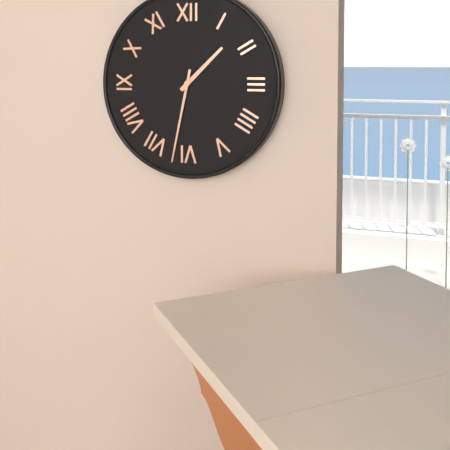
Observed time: 1:32
